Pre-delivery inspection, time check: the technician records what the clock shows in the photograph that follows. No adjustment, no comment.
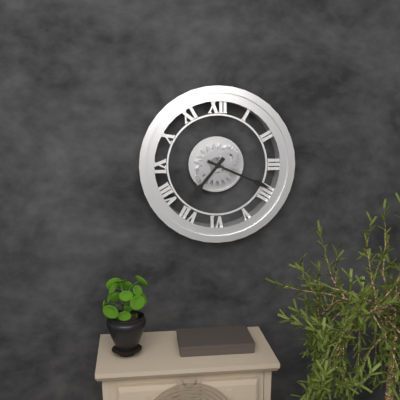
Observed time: 7:19
